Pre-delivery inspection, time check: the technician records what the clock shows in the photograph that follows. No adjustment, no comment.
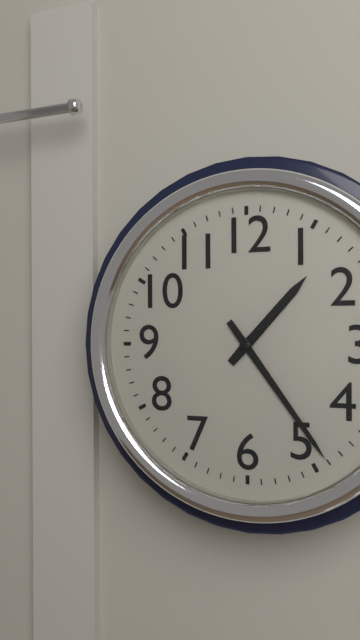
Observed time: 1:24
